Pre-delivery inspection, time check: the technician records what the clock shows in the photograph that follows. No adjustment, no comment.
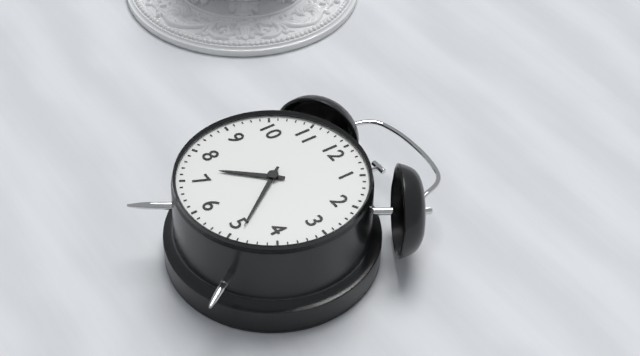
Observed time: 7:24
